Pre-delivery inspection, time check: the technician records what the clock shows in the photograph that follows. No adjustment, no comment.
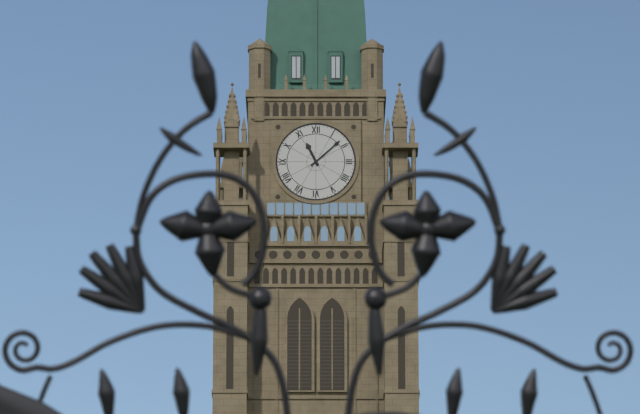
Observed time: 11:08
